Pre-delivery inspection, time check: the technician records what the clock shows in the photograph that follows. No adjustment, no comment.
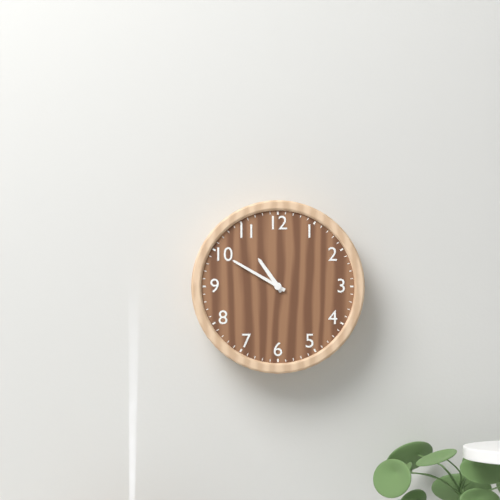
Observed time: 10:50
